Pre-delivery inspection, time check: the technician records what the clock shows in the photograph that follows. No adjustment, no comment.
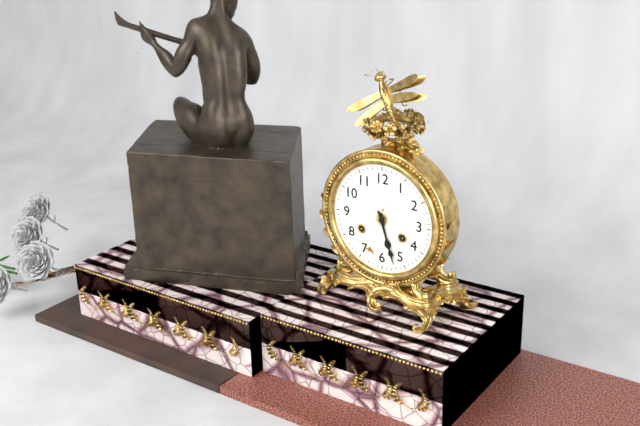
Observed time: 5:27
